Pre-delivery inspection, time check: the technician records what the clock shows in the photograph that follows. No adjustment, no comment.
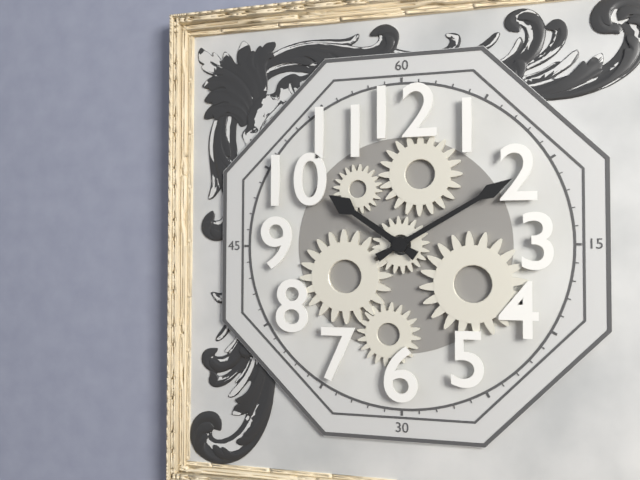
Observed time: 10:10
